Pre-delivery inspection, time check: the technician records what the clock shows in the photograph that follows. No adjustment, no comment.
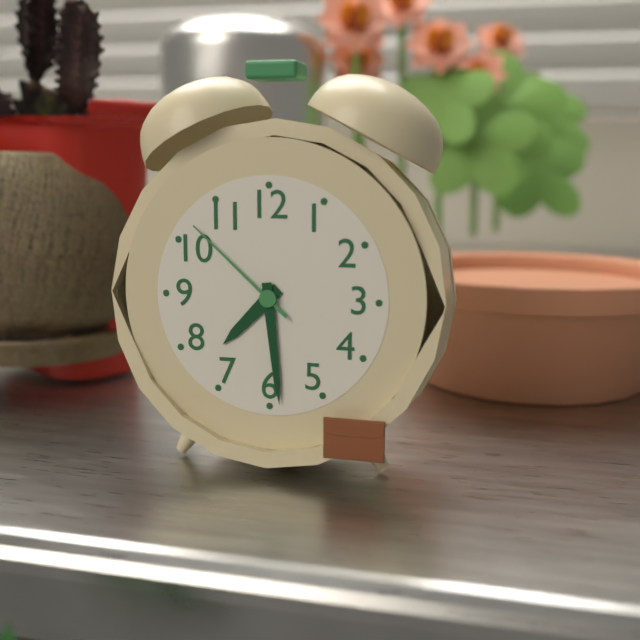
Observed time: 7:29:52
